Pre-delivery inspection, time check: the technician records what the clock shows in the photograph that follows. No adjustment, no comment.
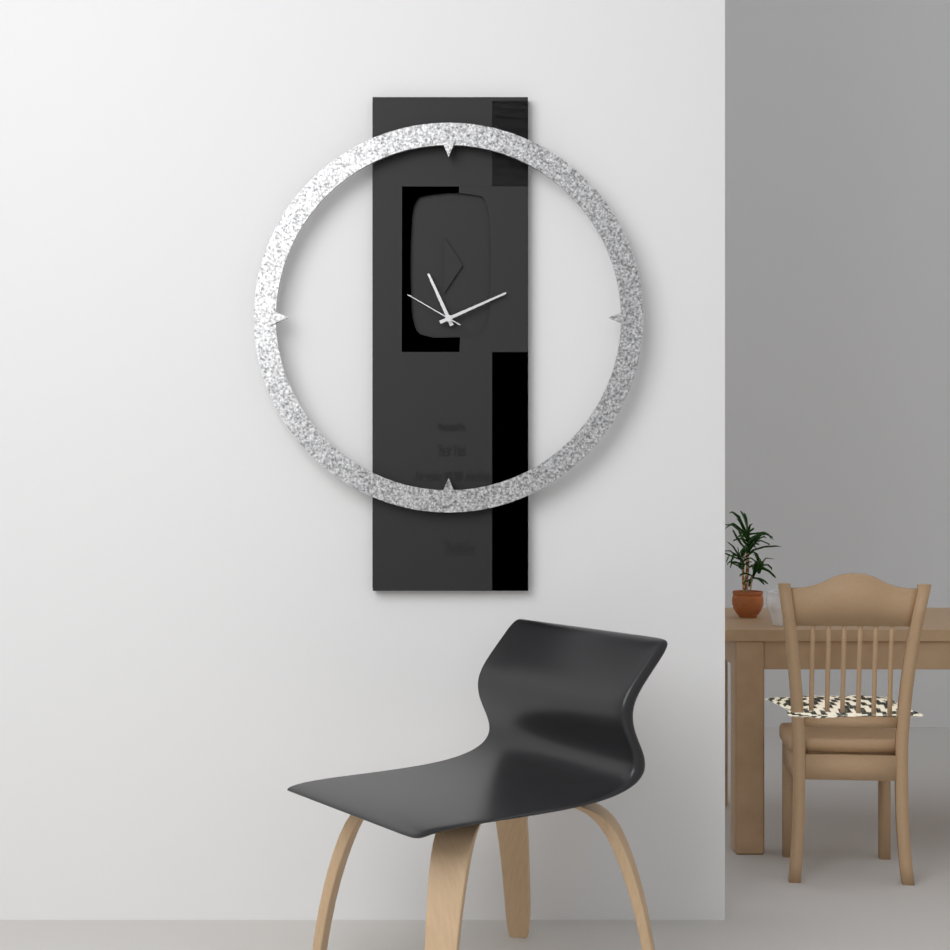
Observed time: 11:11:50
